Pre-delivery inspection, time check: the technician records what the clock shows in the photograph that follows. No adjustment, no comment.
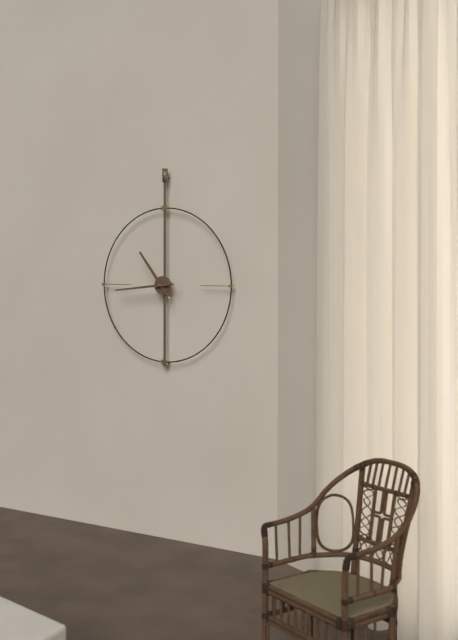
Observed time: 10:44
